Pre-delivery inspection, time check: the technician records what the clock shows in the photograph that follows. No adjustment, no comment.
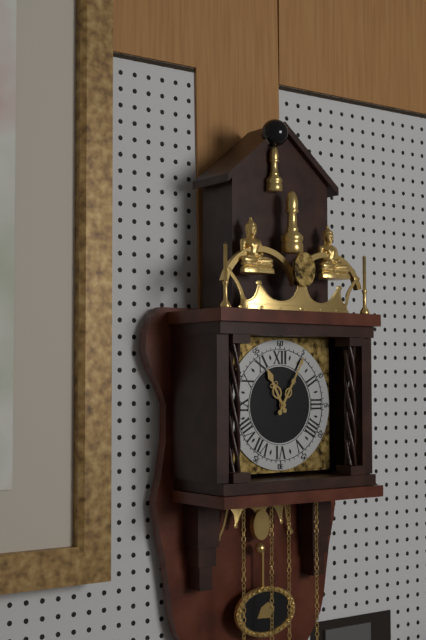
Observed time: 11:05
